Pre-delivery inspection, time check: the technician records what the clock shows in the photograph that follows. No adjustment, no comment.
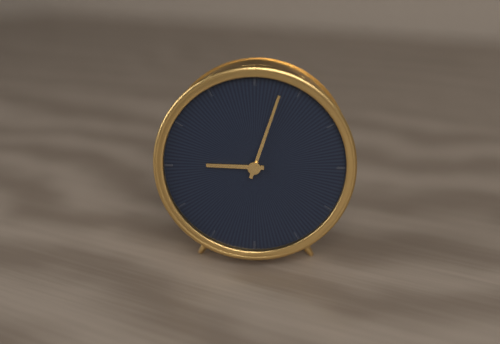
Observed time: 9:03
